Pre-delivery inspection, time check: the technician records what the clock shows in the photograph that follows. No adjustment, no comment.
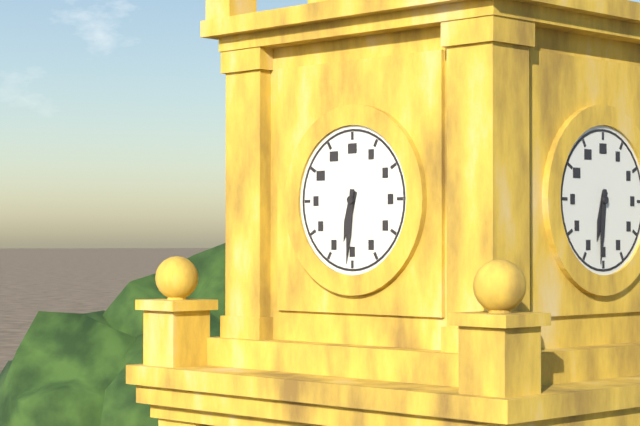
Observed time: 6:31
